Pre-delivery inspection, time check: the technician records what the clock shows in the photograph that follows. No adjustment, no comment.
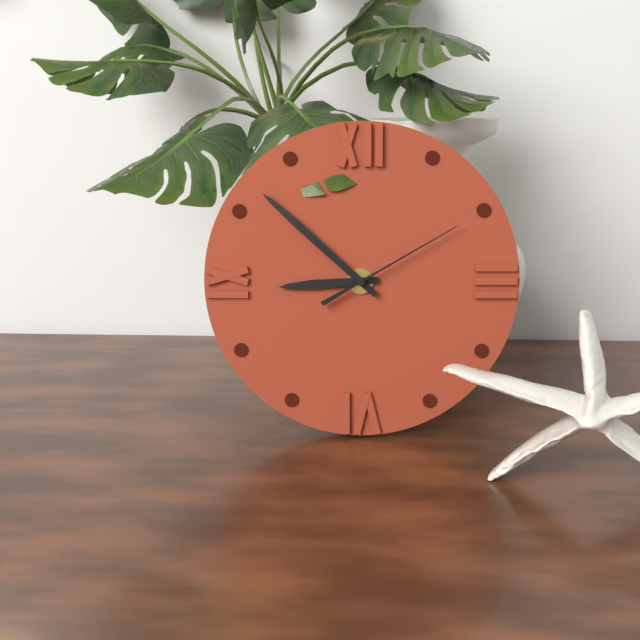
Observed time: 8:52:10
